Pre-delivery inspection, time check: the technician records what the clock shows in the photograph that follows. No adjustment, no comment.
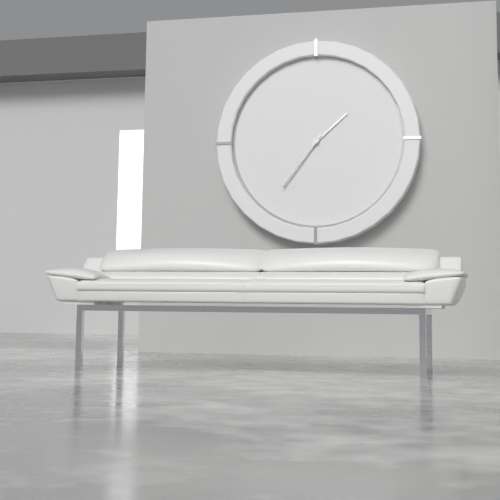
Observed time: 1:36
